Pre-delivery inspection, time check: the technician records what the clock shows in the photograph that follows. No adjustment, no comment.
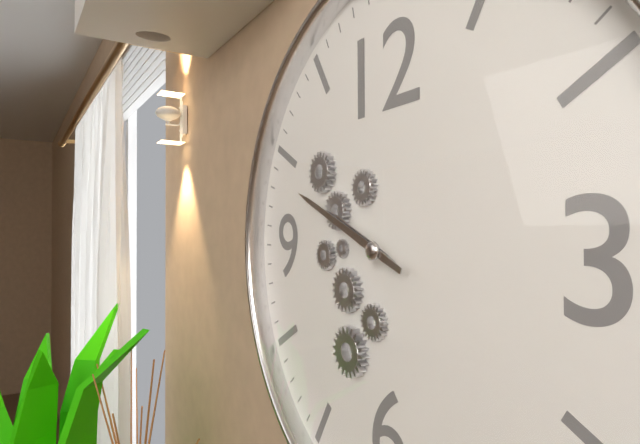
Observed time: 9:49
